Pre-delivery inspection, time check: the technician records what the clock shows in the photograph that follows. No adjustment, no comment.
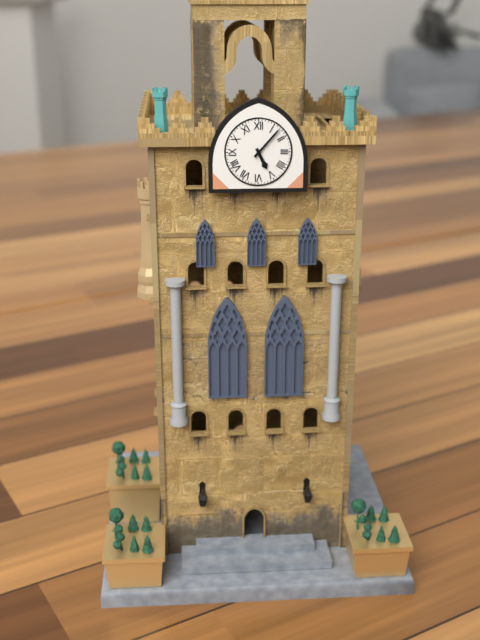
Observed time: 5:07
